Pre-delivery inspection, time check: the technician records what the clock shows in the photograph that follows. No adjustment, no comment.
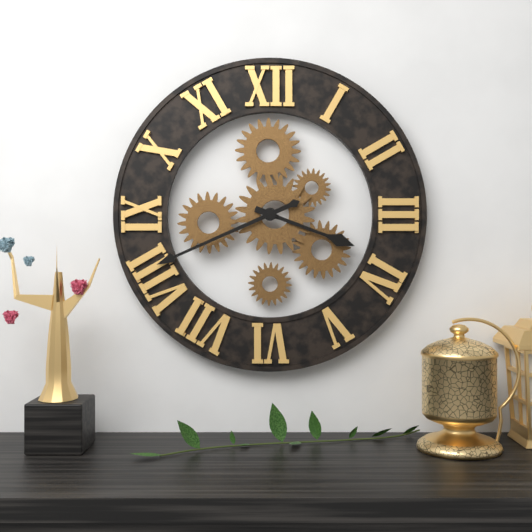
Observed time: 3:41
